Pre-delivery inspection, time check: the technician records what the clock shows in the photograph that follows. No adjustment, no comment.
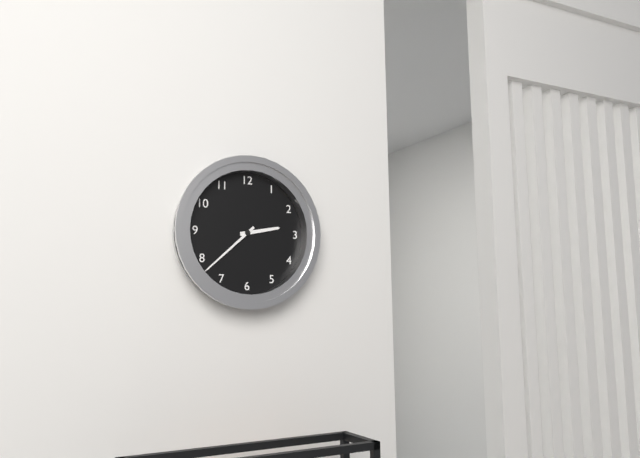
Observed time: 2:38
